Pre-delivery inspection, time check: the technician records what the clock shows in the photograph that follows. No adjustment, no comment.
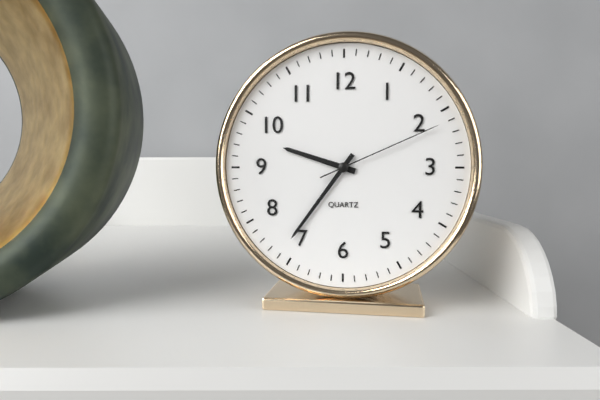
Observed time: 9:36:11
